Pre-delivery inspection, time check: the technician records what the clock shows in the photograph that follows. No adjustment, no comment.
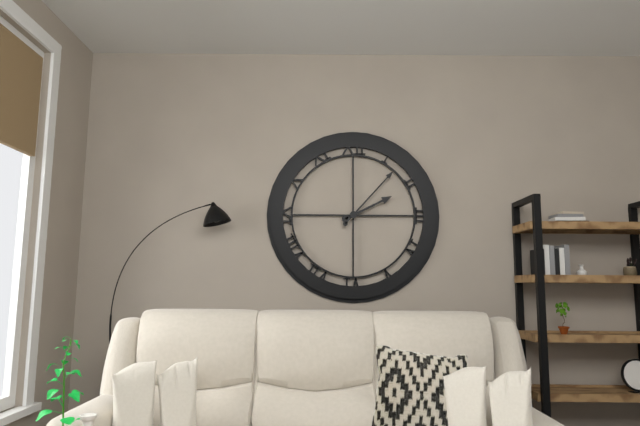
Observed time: 2:07
